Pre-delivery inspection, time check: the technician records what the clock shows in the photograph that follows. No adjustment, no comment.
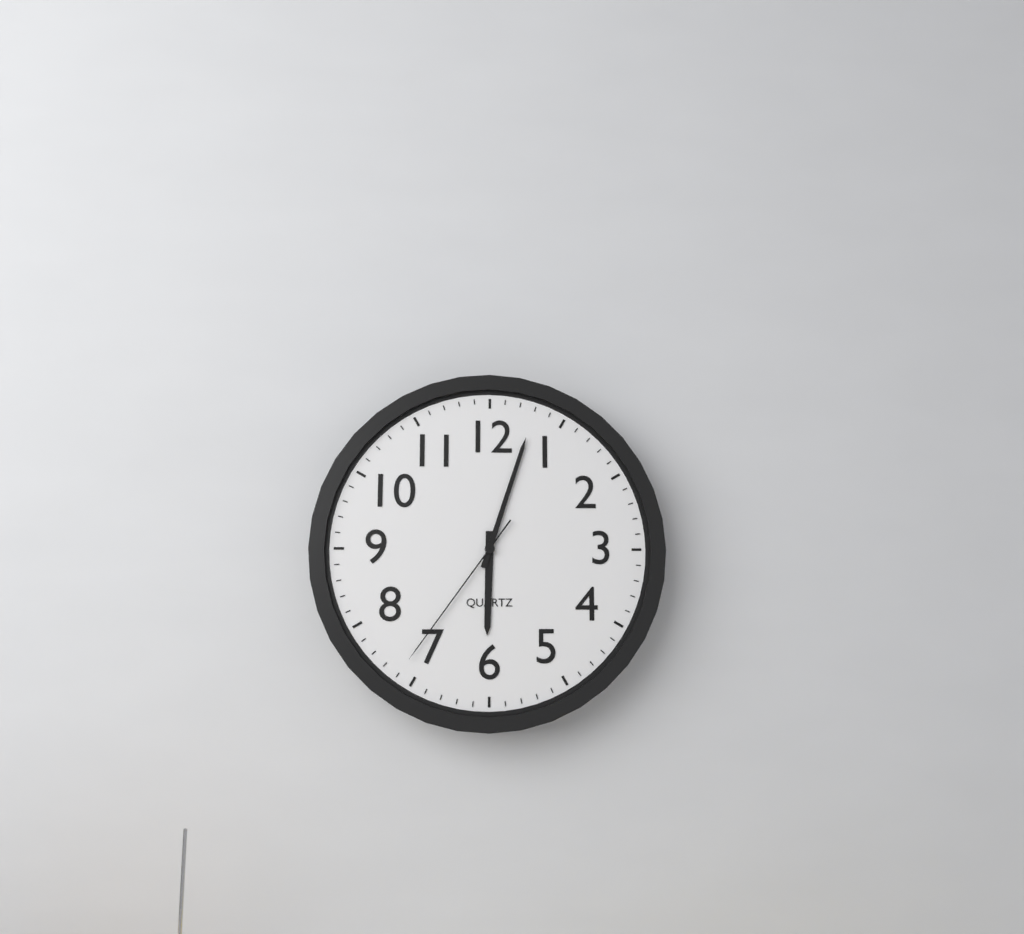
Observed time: 6:03:36
